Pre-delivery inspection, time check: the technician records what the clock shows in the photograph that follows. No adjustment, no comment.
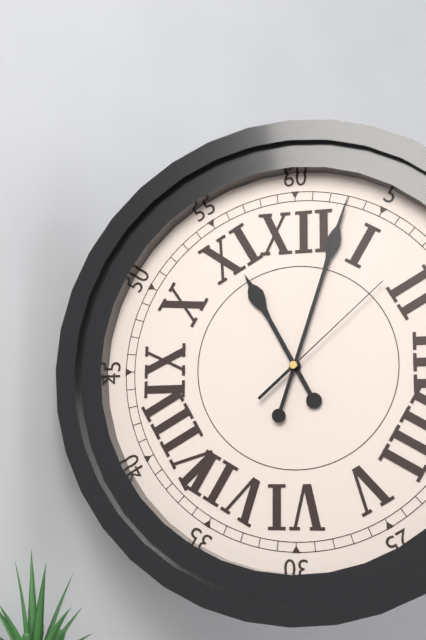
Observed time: 11:03:08
